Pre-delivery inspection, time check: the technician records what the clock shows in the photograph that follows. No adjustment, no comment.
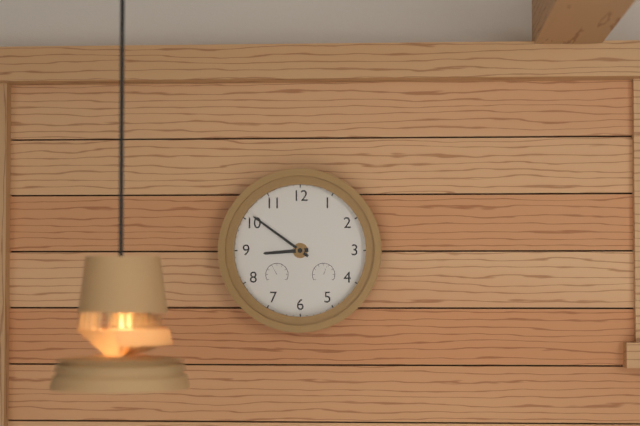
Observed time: 8:51
